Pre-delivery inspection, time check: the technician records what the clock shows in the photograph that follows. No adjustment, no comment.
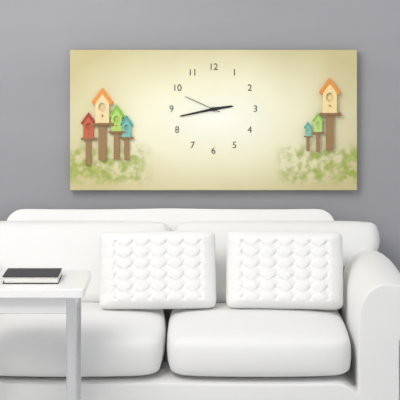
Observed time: 2:43
